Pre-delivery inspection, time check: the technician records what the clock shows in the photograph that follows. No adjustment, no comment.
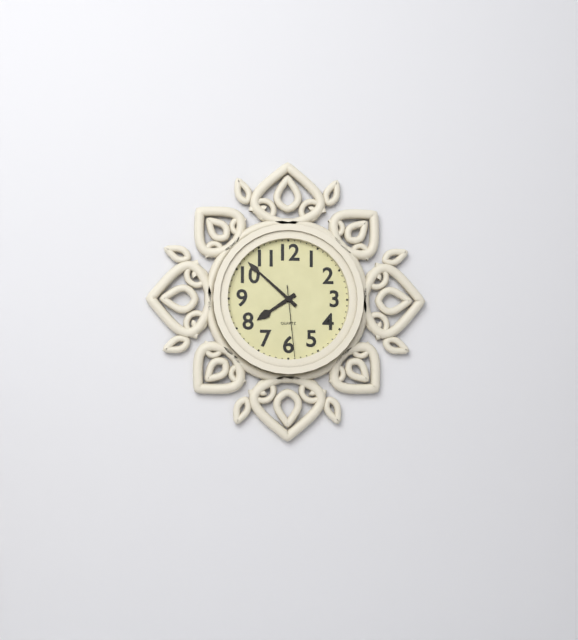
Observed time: 7:52:29
